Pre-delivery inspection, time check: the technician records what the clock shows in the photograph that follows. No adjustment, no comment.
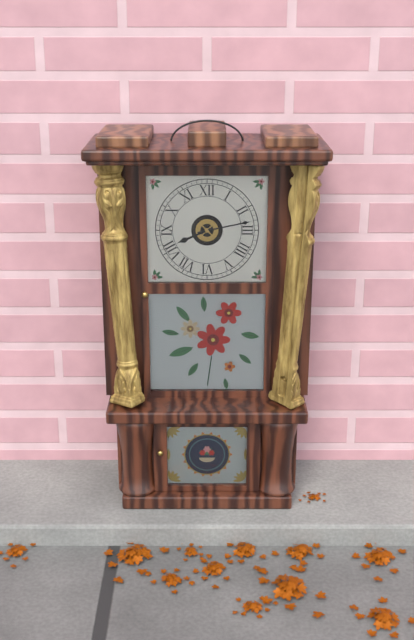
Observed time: 8:13
